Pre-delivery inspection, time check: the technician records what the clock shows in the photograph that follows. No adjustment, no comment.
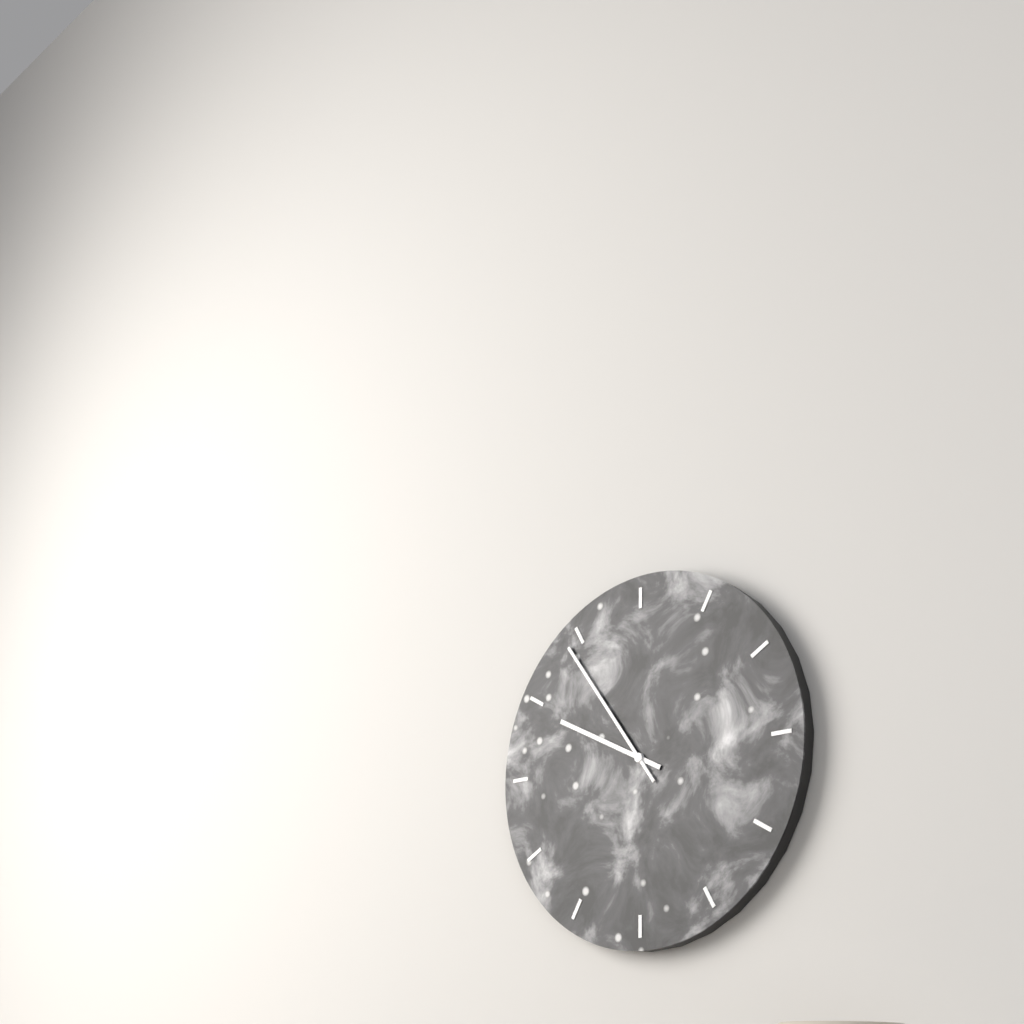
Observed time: 9:54
